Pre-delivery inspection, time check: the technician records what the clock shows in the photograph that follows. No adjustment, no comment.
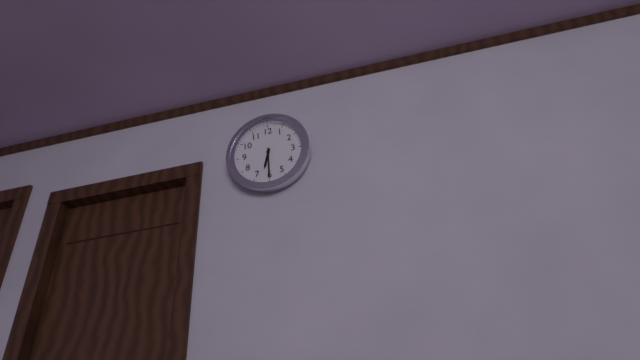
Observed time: 6:30
